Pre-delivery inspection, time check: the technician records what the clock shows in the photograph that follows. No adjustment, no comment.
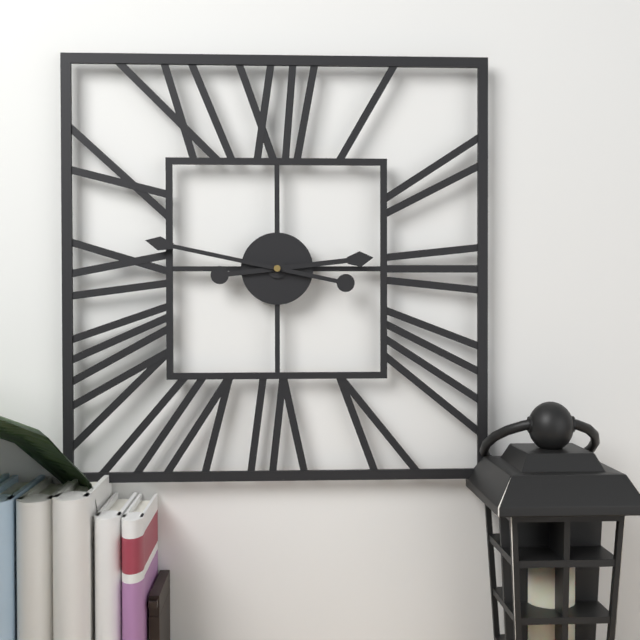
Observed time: 2:47
